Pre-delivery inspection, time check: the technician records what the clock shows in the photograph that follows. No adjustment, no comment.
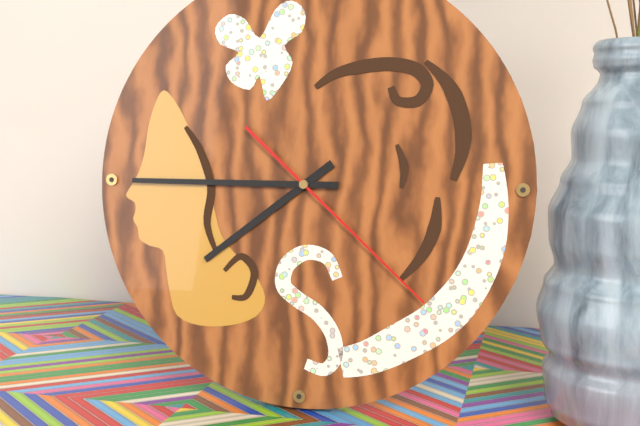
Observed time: 7:45:22
